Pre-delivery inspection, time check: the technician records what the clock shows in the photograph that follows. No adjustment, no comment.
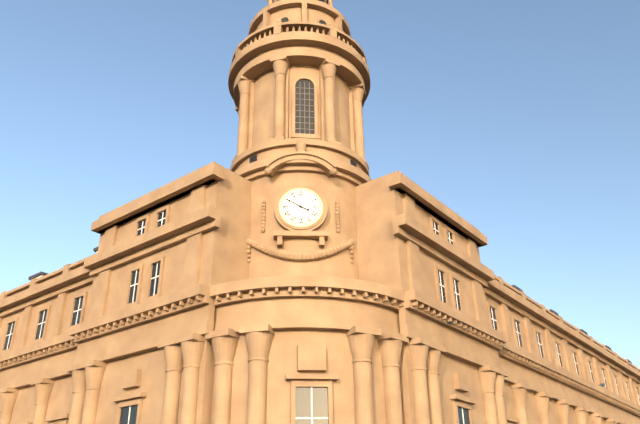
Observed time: 3:50
